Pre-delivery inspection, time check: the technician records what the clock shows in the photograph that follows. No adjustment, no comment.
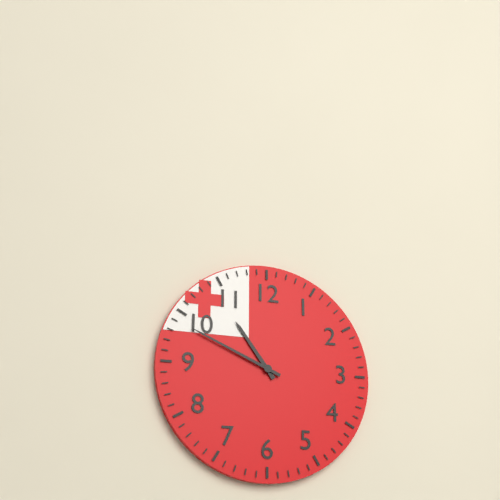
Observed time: 10:49
